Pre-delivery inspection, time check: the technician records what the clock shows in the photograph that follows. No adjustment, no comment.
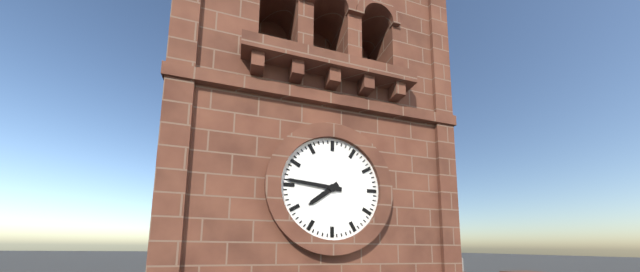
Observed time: 7:46
